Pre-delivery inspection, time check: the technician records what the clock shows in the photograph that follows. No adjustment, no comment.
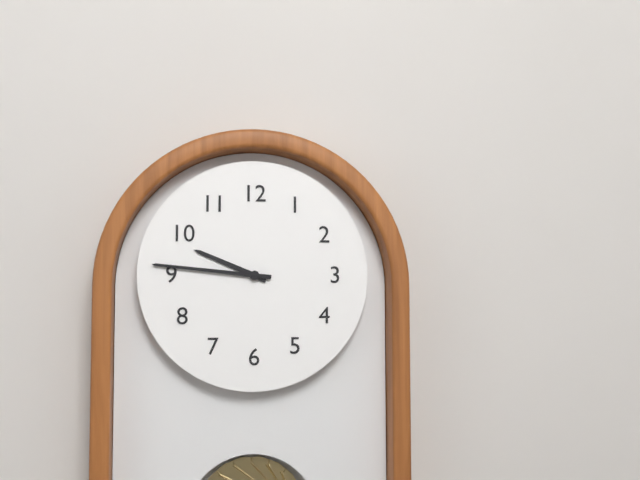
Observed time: 9:46
